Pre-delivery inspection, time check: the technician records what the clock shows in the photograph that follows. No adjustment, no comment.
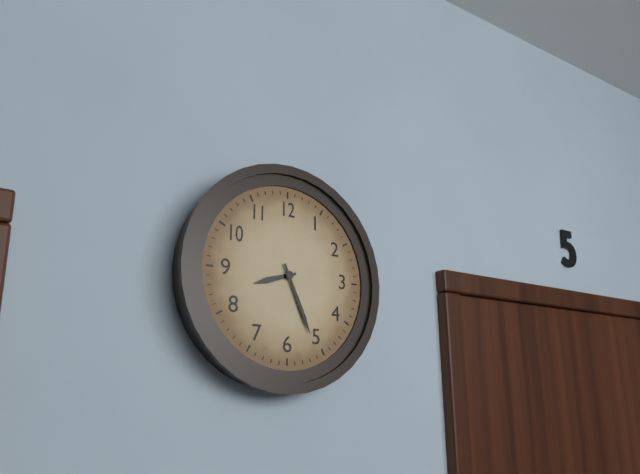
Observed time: 8:26
